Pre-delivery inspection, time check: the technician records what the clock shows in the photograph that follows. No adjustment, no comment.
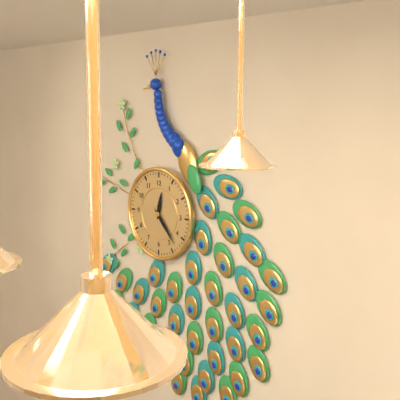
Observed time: 12:23
